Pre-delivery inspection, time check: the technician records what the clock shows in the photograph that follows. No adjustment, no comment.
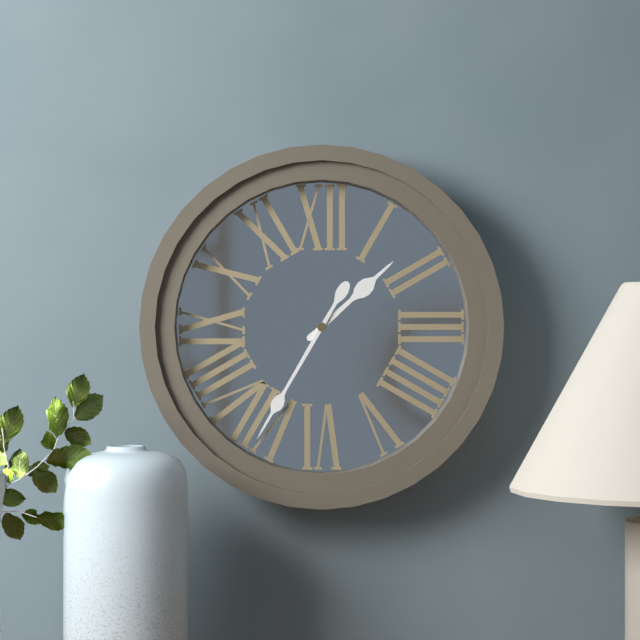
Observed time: 1:35
